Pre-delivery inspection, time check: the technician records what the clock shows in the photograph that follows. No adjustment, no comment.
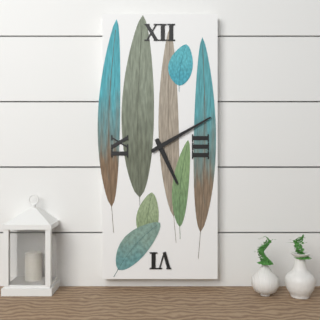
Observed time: 5:10
